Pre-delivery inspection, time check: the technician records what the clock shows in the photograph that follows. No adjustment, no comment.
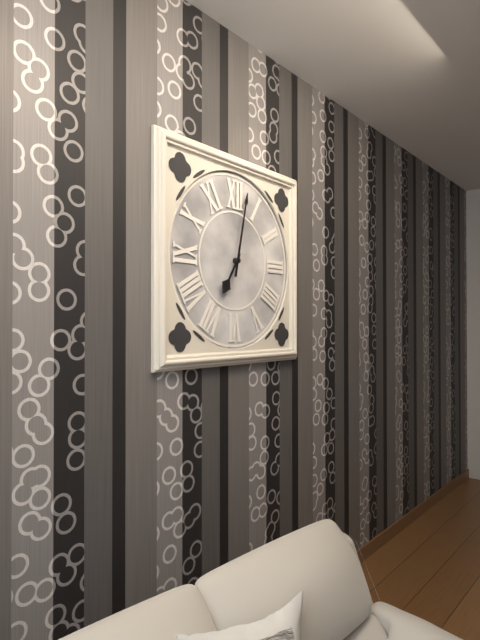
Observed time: 7:02
